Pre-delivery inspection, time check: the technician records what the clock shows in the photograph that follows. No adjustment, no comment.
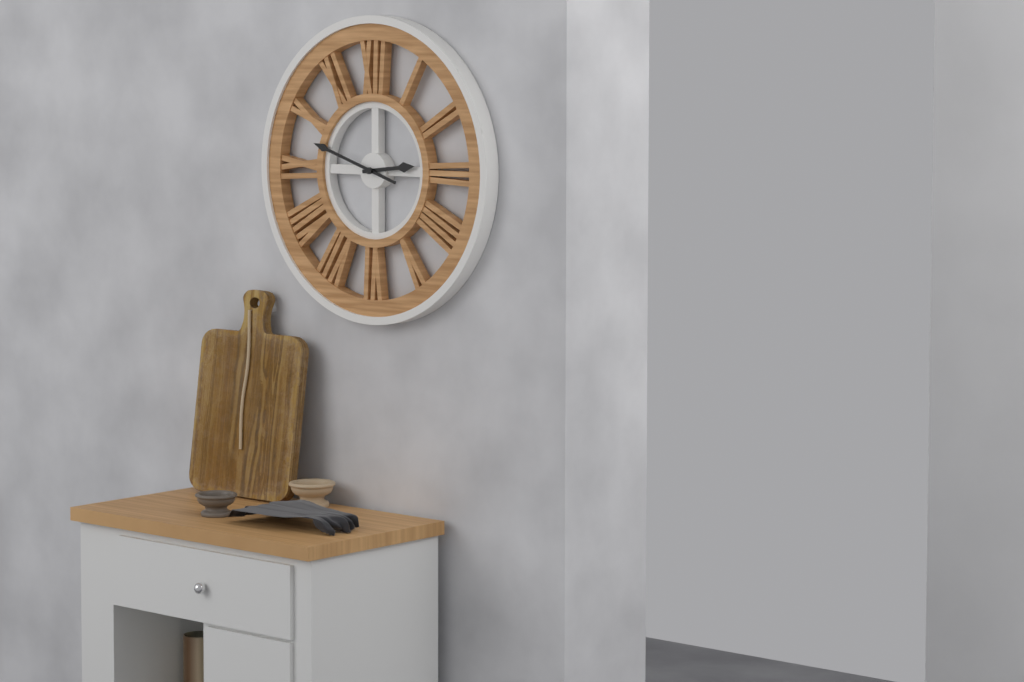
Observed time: 2:48
